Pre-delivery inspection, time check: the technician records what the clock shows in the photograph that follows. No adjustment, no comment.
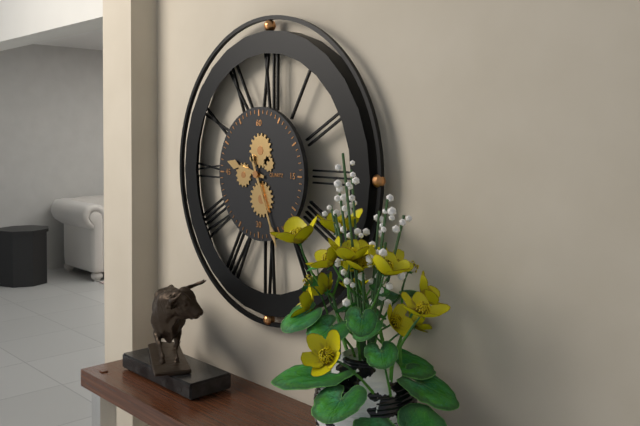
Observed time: 9:26
